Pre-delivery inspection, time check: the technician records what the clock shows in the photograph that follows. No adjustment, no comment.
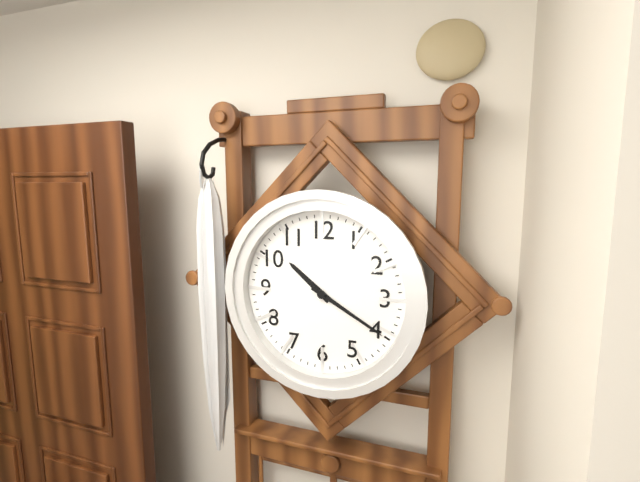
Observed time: 10:20
